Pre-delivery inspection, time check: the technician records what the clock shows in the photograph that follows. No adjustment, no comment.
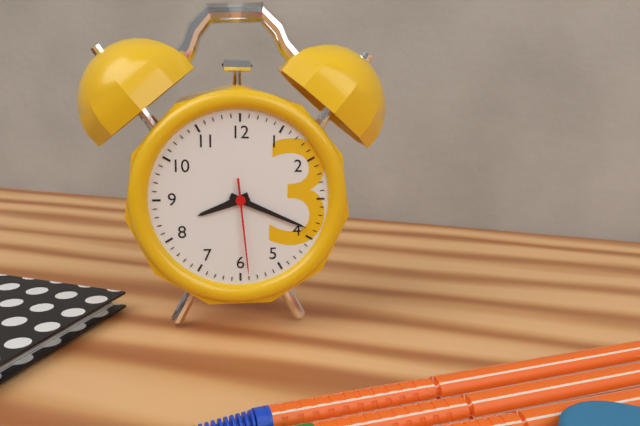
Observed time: 8:19:29
